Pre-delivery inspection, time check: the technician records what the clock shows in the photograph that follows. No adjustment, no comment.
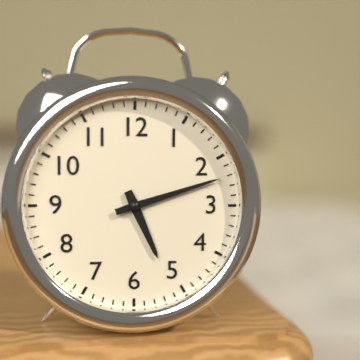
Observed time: 5:12
